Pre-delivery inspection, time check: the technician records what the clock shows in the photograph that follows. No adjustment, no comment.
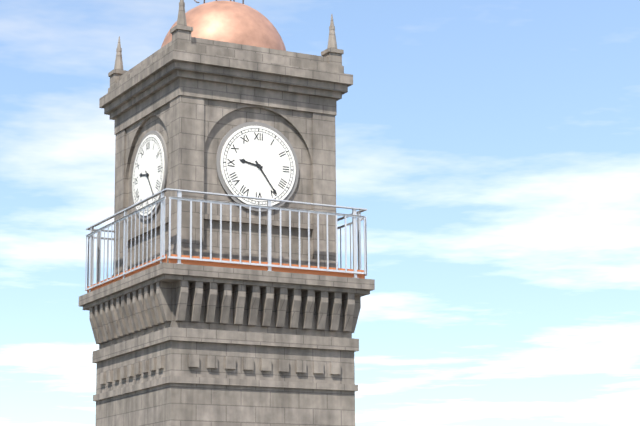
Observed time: 9:24
